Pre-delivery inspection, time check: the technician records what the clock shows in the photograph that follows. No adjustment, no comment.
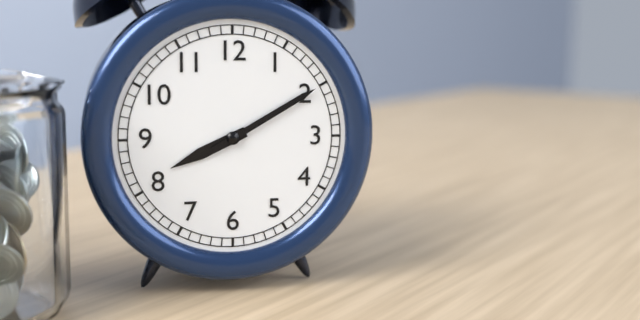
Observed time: 8:10
